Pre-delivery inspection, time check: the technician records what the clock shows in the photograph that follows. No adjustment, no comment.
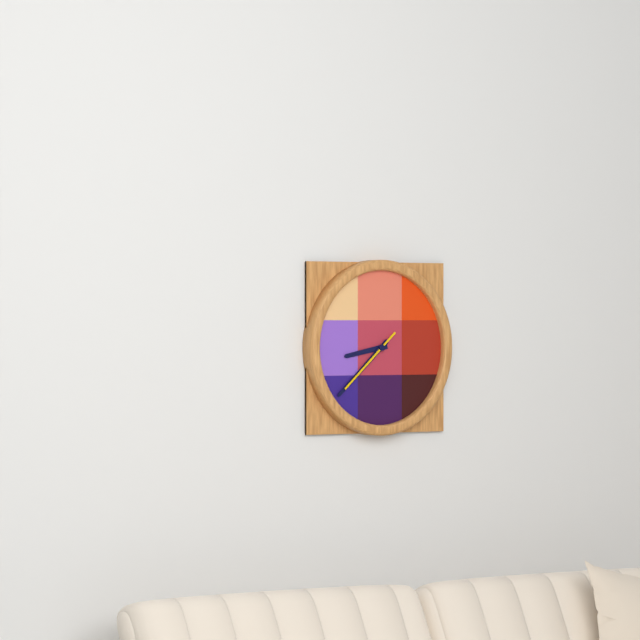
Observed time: 8:38:38
